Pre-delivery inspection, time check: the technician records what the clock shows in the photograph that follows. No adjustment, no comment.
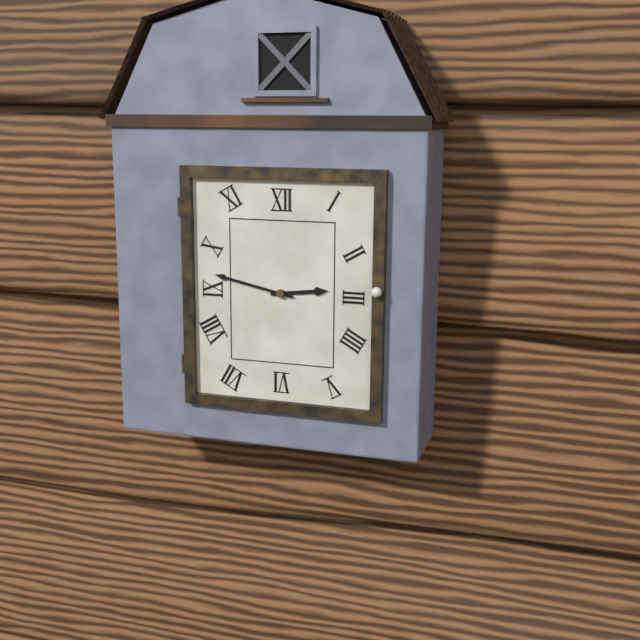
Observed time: 2:47
